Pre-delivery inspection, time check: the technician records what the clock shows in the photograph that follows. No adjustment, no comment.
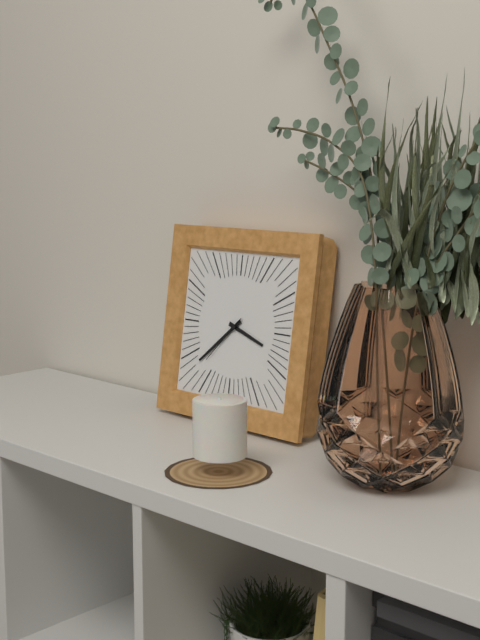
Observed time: 3:38:37
